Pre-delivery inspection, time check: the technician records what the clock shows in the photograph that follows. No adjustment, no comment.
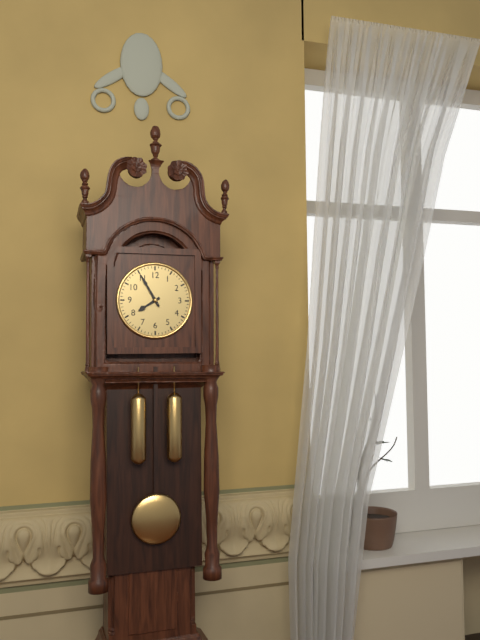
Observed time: 7:55
